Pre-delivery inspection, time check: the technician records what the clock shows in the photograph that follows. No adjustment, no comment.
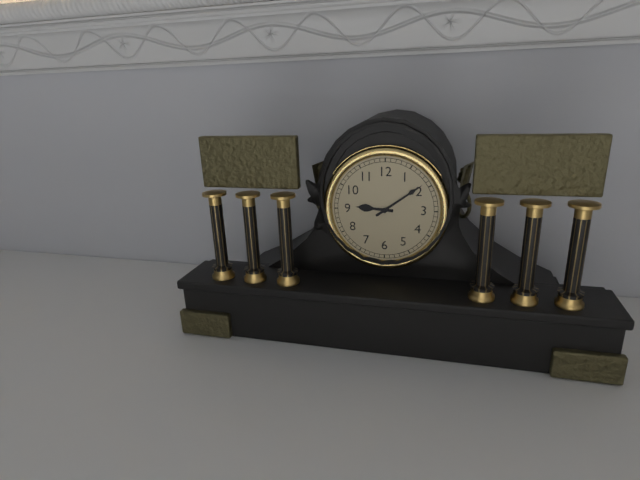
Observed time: 9:09
